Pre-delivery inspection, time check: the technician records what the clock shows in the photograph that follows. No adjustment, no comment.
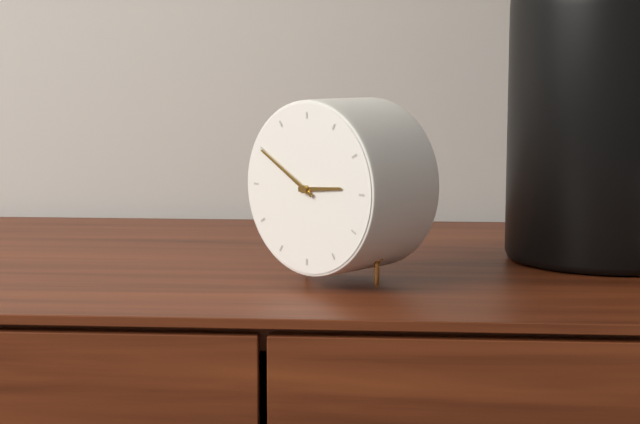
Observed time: 2:50
